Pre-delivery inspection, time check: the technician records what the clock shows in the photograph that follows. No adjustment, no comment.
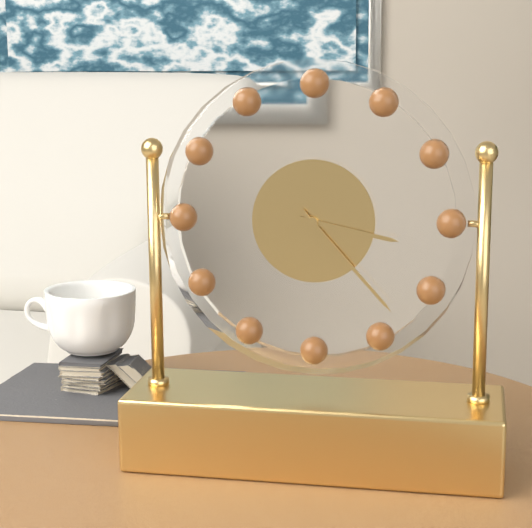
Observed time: 3:23
